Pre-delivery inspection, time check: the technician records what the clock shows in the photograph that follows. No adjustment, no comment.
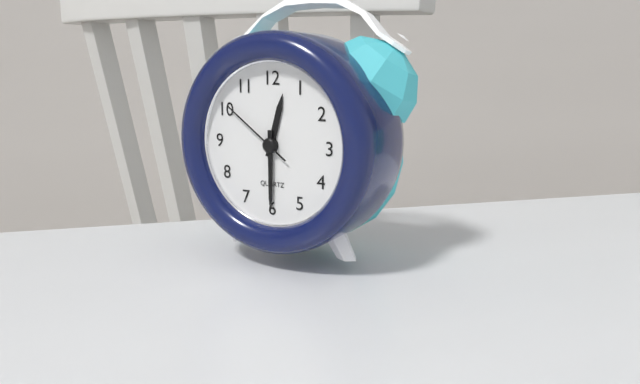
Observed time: 12:30:51
